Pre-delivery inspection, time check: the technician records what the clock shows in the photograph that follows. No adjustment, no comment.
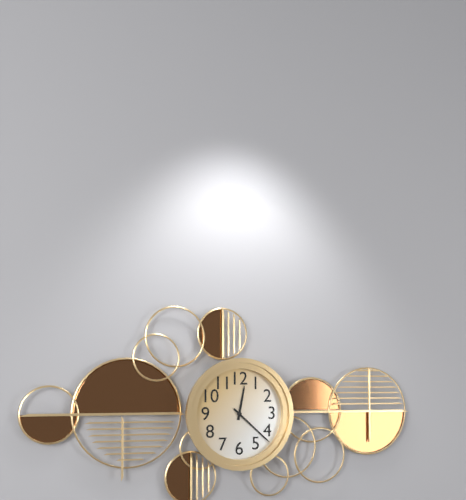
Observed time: 12:22
